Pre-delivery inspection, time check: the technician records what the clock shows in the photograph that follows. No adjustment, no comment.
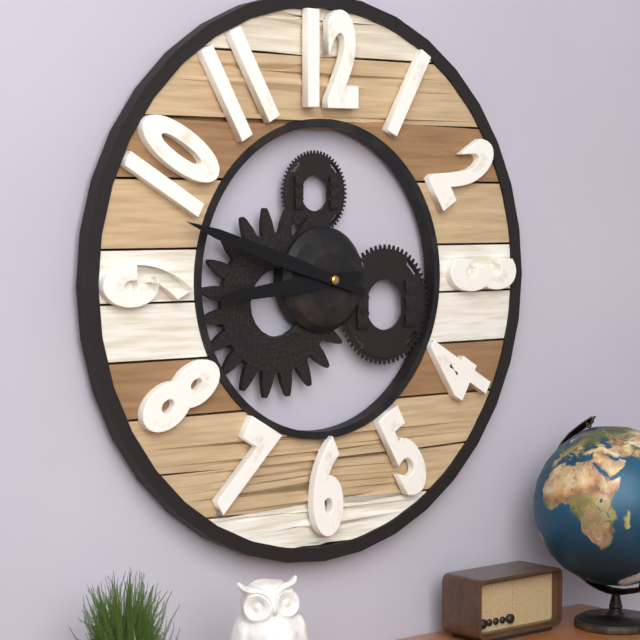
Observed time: 8:48
